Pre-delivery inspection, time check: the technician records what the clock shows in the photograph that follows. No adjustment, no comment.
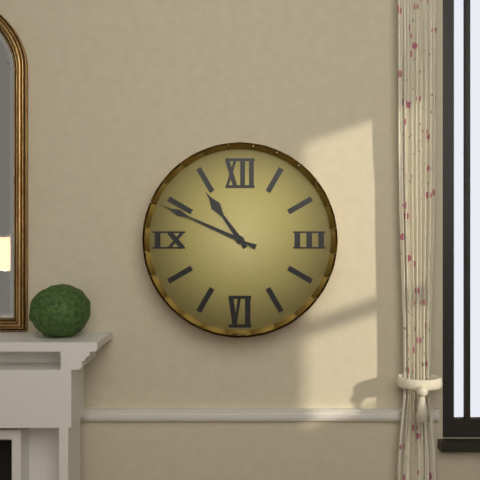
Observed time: 10:49
